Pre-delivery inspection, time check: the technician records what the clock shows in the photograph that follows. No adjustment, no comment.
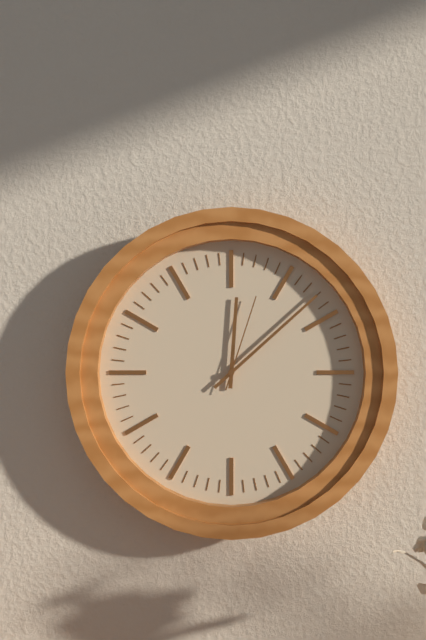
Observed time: 12:08:03
